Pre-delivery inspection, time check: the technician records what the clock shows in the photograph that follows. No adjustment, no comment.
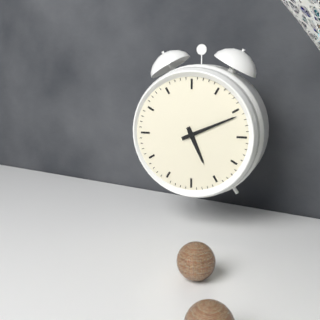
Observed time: 5:11
